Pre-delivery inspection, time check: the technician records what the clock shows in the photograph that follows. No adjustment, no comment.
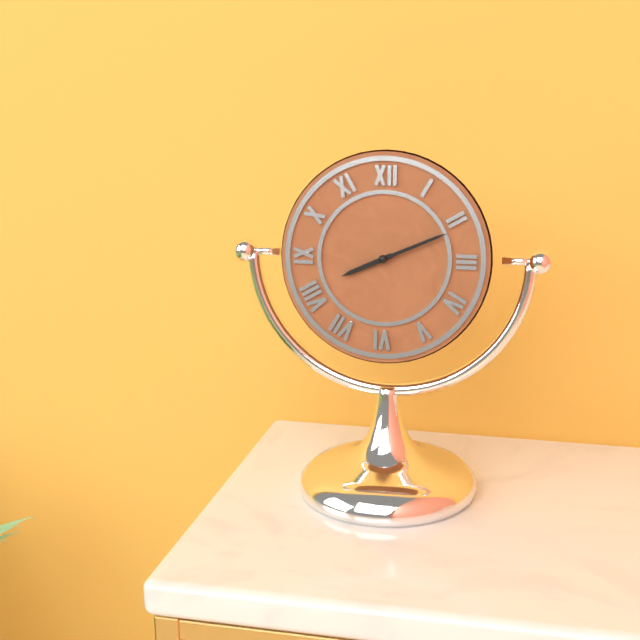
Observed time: 8:11
